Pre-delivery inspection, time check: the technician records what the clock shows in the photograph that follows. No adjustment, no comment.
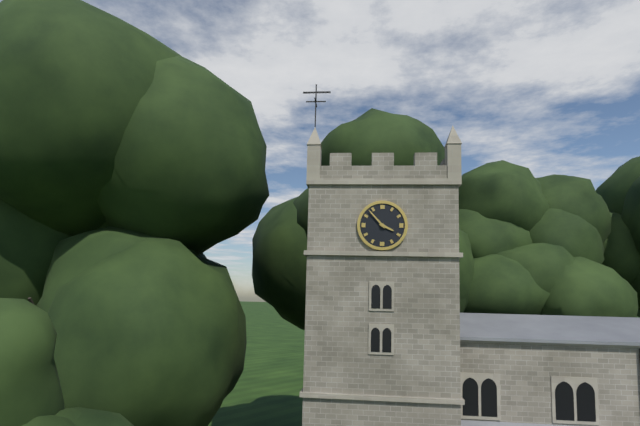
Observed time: 3:53
